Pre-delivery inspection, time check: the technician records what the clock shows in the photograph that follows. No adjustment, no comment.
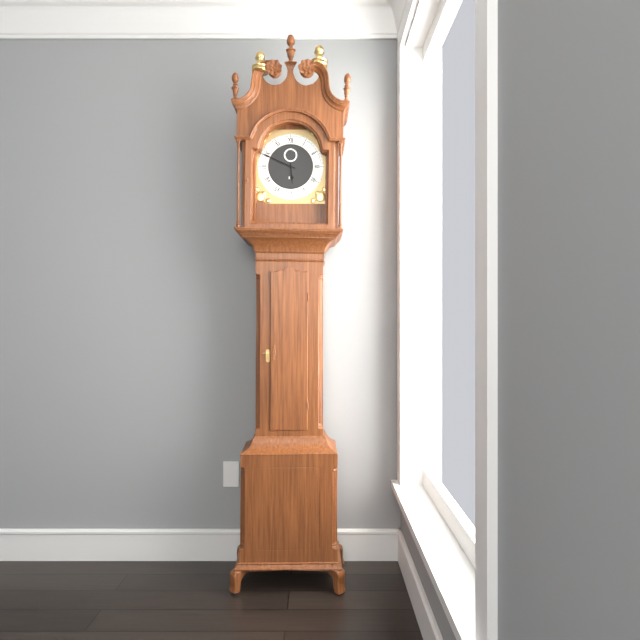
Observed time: 5:49
